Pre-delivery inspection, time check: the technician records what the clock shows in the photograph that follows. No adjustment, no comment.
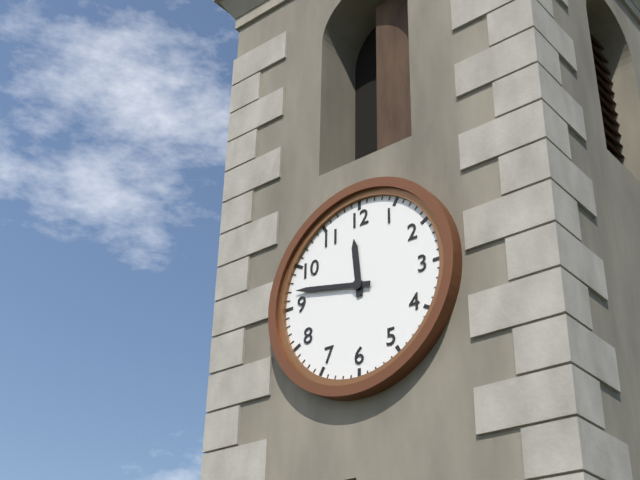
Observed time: 11:47
